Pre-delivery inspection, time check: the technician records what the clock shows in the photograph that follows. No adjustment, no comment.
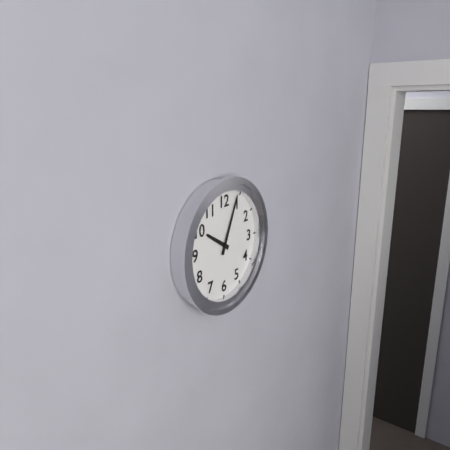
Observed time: 10:04
